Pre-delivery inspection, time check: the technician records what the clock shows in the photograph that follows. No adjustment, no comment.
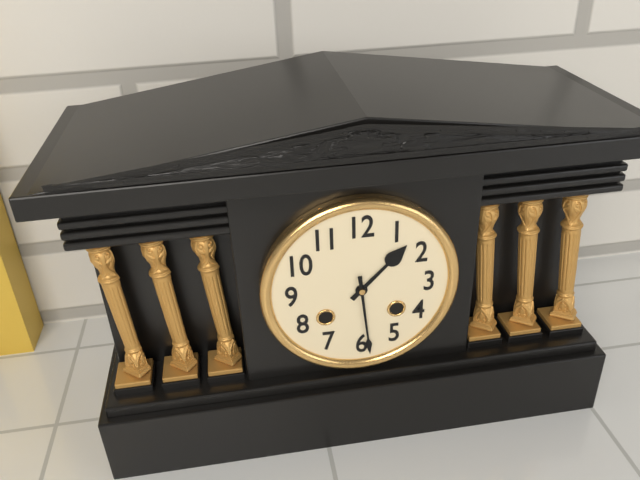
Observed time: 1:29
